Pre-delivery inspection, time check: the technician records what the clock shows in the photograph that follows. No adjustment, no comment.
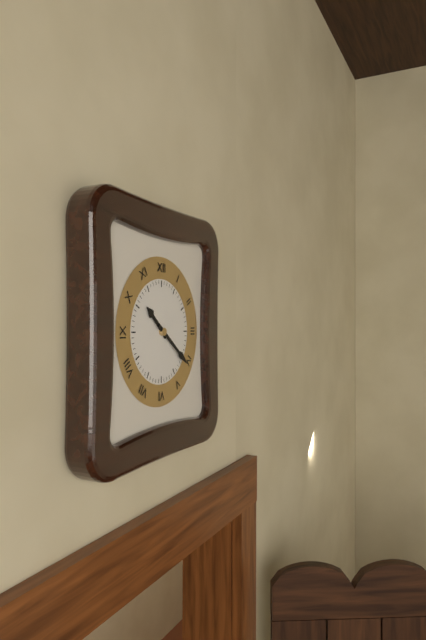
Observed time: 10:21
